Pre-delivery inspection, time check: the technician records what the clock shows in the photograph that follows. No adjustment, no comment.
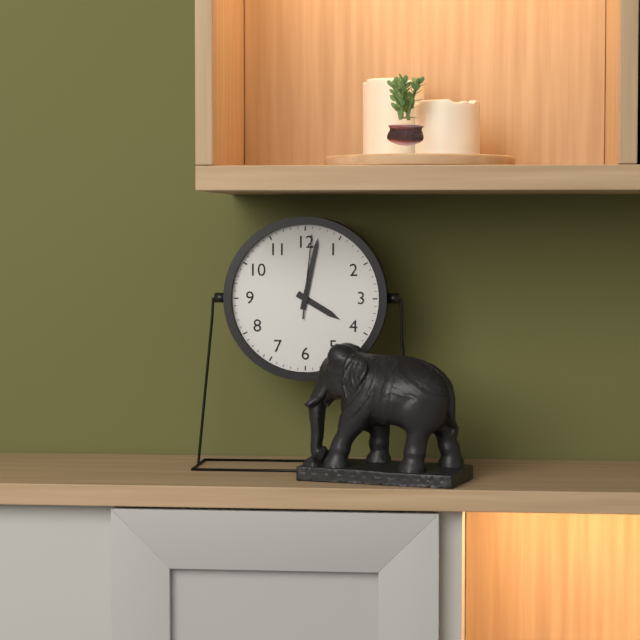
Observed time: 4:02:01
